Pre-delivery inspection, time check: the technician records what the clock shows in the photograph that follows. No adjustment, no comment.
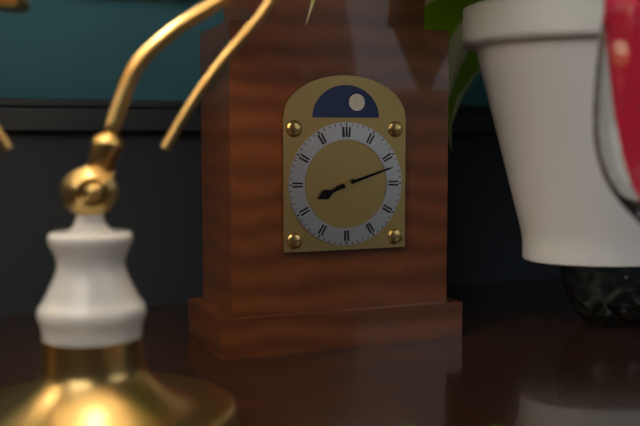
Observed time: 8:12
